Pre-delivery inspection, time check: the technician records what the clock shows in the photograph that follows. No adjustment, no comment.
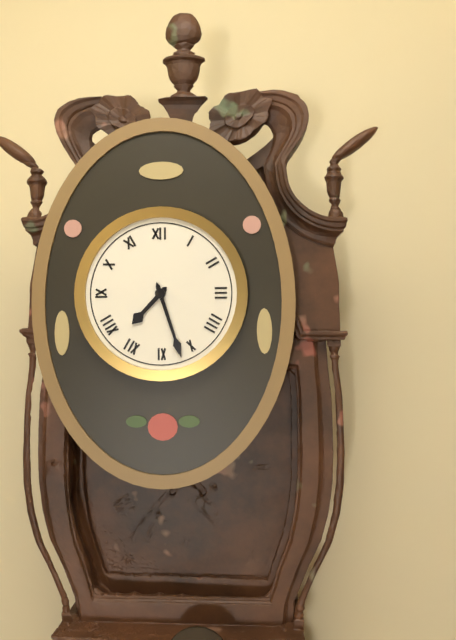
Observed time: 7:27
